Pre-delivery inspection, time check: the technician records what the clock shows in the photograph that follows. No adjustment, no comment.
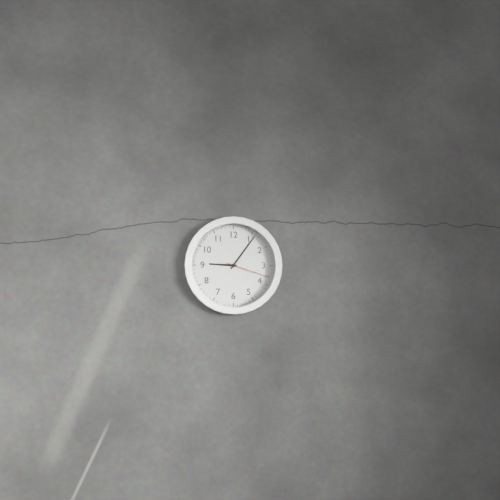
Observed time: 9:06
